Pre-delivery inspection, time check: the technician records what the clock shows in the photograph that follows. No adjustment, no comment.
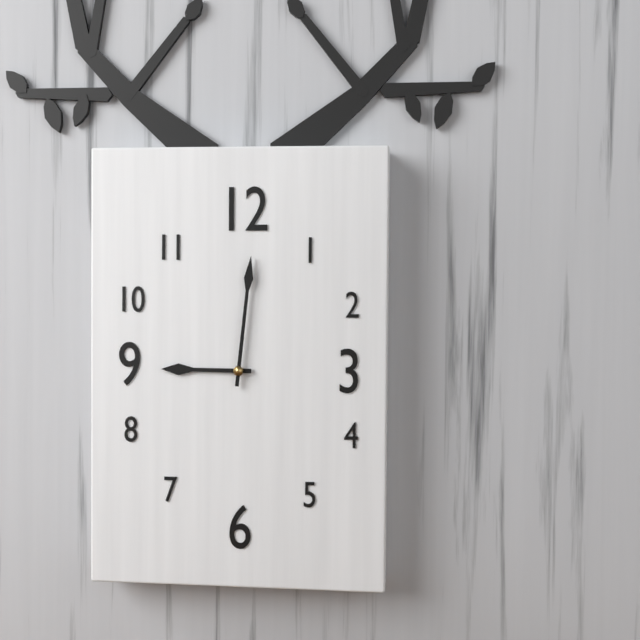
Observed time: 9:01
